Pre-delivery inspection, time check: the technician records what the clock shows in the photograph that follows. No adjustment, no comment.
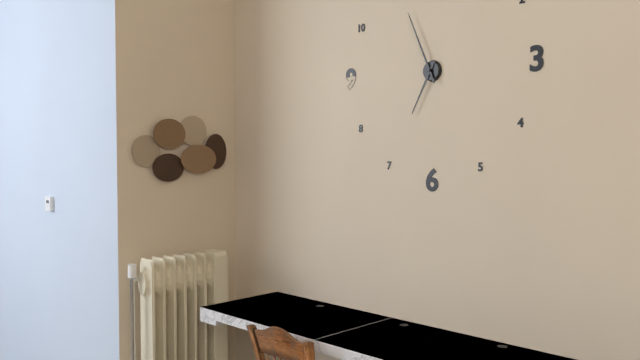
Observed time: 6:56
